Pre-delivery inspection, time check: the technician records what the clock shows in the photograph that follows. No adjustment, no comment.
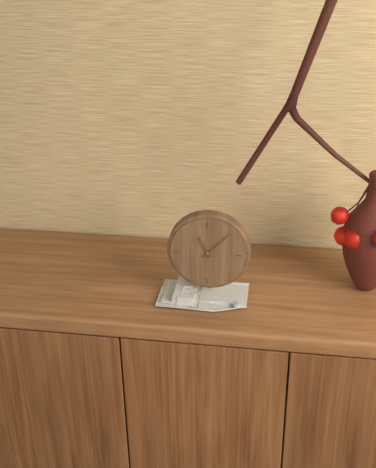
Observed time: 11:07
